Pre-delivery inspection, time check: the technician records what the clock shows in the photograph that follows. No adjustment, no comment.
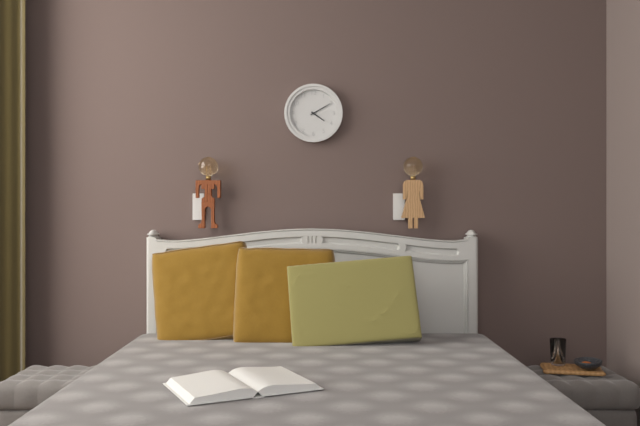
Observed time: 4:10
